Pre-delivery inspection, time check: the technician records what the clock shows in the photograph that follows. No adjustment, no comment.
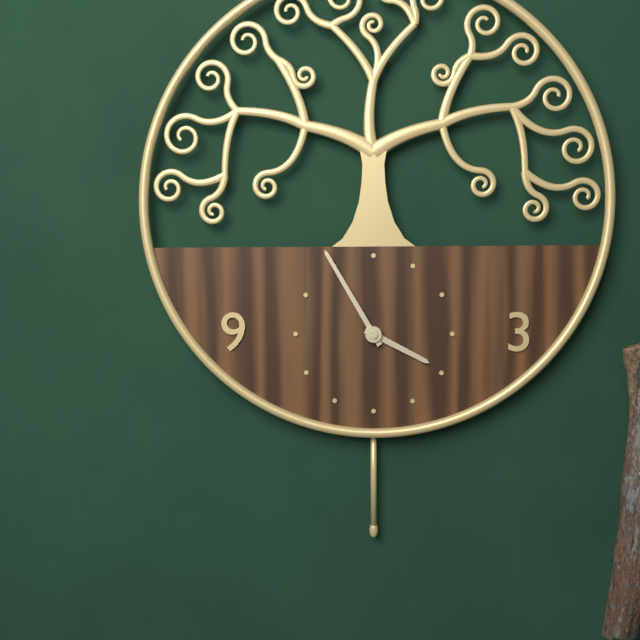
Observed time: 3:55
